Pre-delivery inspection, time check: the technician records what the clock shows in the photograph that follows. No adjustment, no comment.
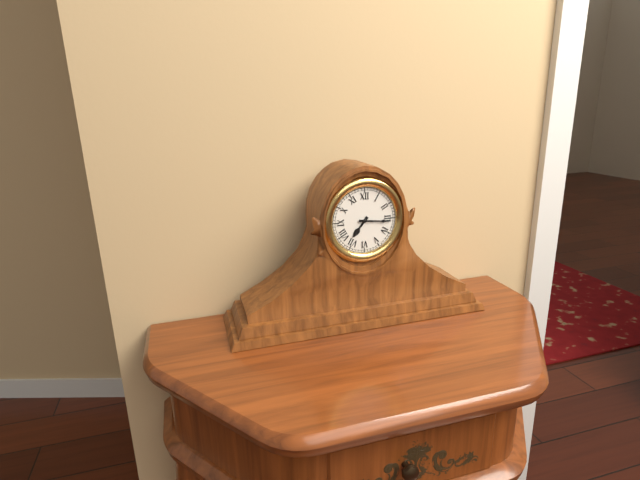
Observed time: 7:16
